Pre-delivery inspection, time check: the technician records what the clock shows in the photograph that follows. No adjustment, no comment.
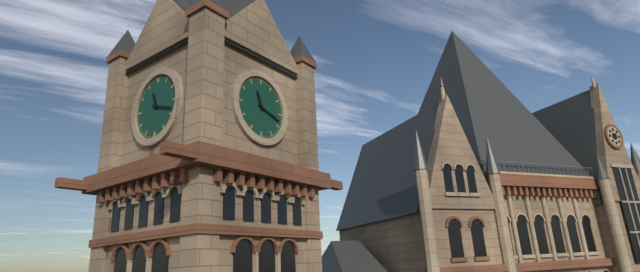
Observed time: 11:18
